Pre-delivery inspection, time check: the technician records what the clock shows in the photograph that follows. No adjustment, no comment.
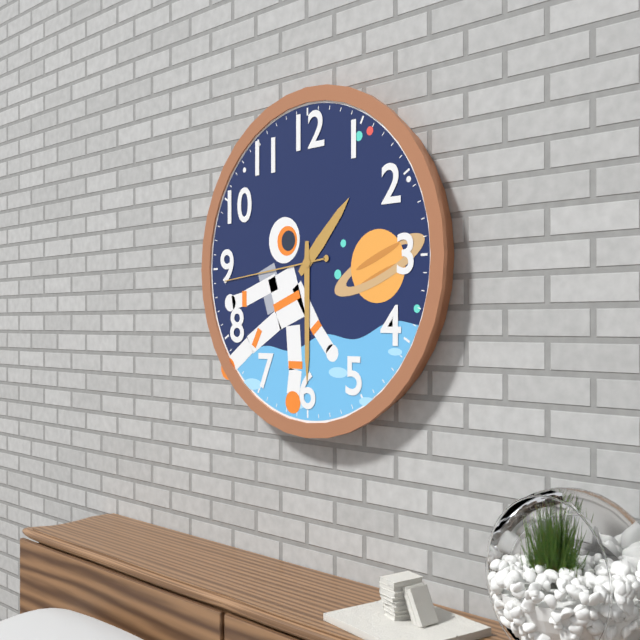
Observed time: 1:30:44
